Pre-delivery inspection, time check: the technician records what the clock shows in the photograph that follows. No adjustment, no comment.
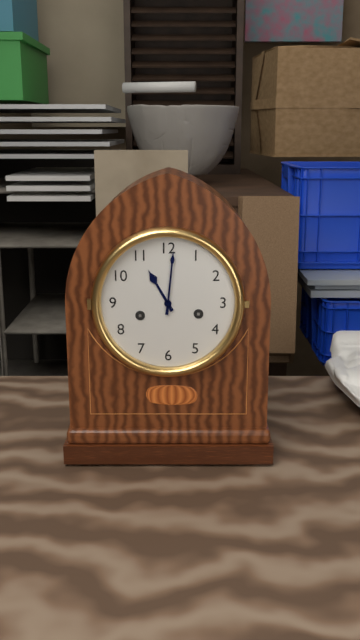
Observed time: 11:01
